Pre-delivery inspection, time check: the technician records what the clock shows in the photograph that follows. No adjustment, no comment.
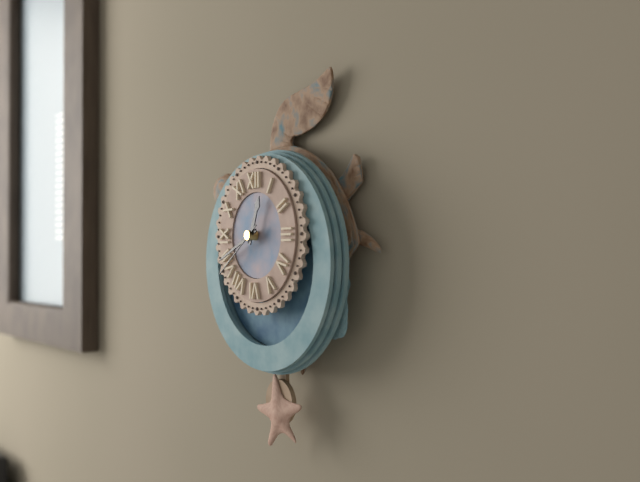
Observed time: 12:41:39
